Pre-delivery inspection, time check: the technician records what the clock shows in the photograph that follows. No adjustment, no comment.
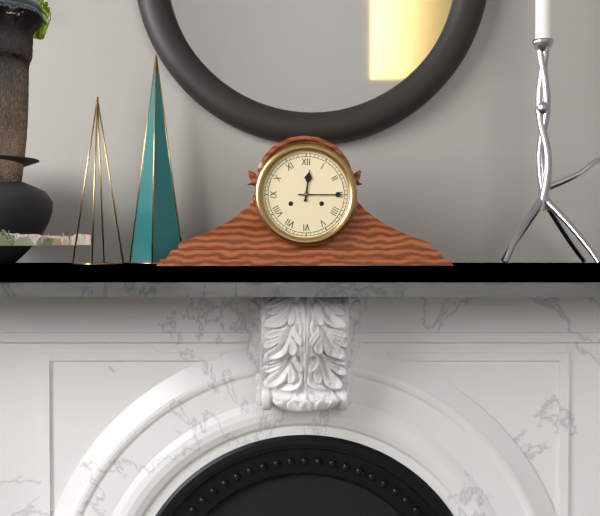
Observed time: 12:15
